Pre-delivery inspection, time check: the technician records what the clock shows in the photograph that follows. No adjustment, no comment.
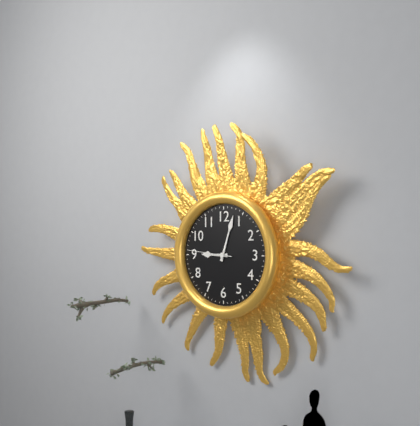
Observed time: 9:03
